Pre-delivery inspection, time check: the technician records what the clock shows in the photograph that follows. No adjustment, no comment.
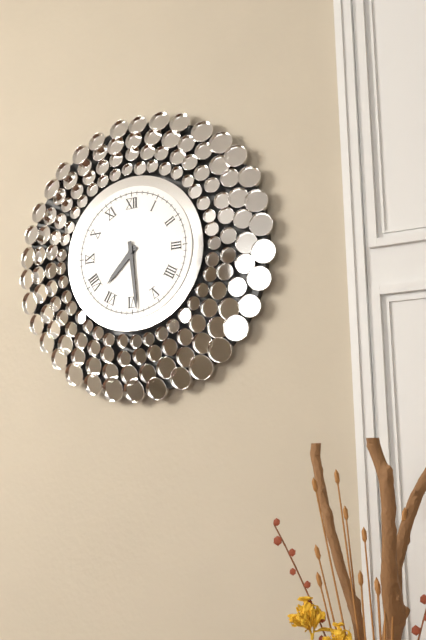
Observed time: 7:29
